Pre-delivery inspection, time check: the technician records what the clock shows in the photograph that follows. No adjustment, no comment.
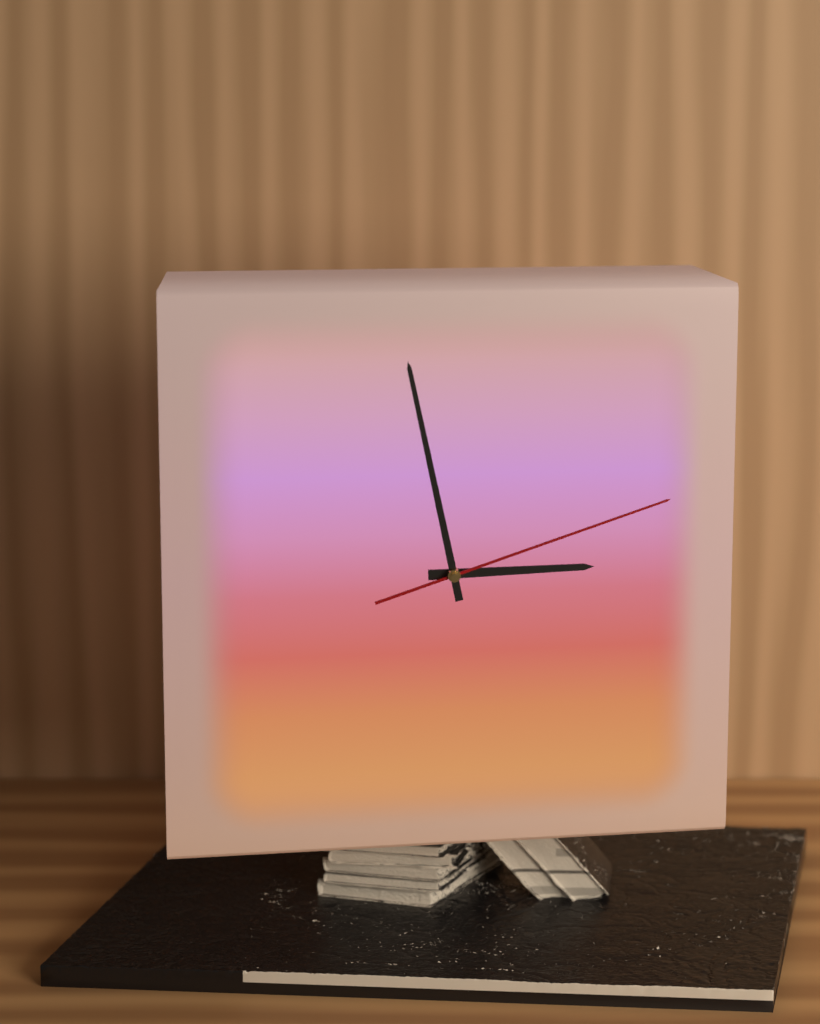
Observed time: 2:58:12
